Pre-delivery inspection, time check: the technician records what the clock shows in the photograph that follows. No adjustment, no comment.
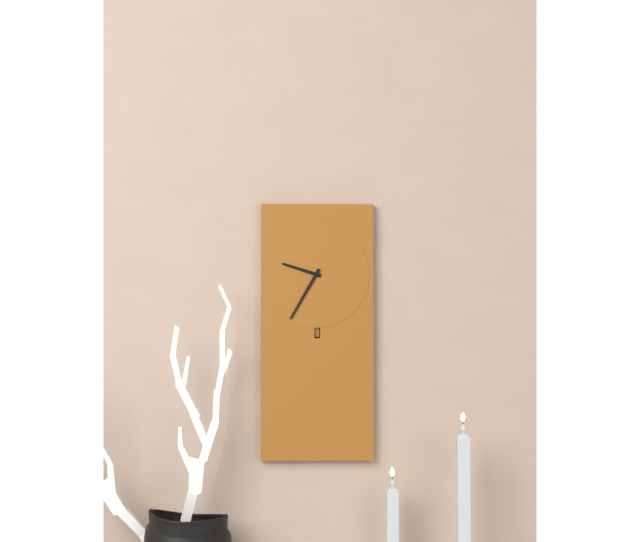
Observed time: 9:35
